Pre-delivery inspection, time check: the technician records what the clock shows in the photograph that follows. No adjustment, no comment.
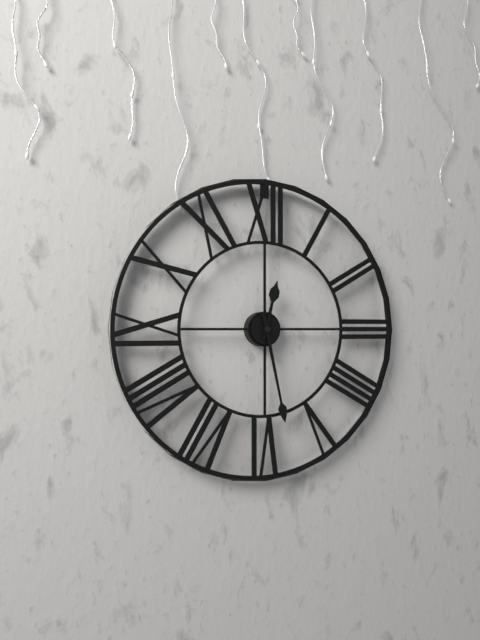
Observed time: 12:28
